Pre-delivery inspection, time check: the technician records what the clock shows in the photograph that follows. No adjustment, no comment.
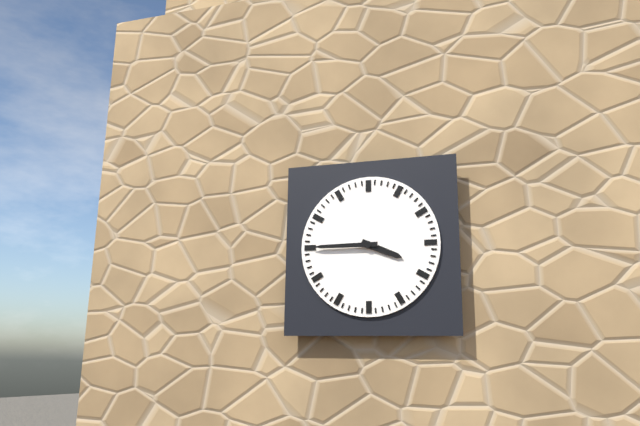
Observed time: 3:45
